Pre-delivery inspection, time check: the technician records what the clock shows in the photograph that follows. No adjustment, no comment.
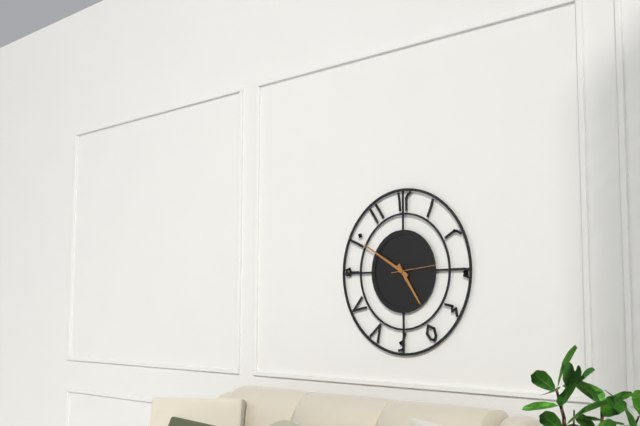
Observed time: 4:50
